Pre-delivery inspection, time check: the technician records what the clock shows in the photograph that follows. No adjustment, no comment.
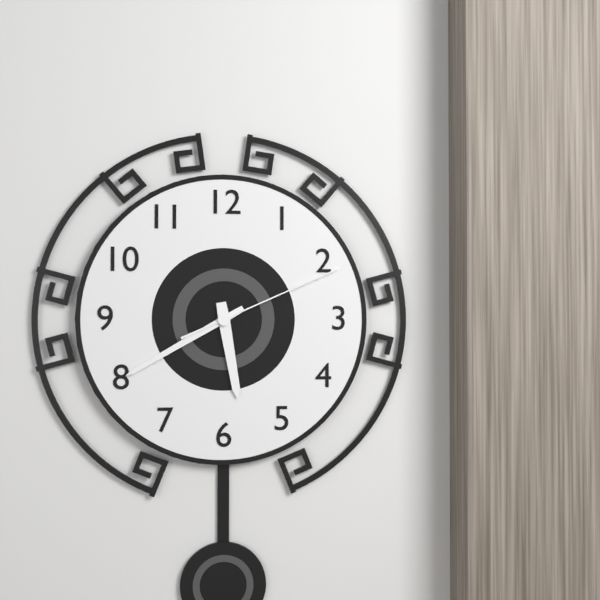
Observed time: 5:40:11
